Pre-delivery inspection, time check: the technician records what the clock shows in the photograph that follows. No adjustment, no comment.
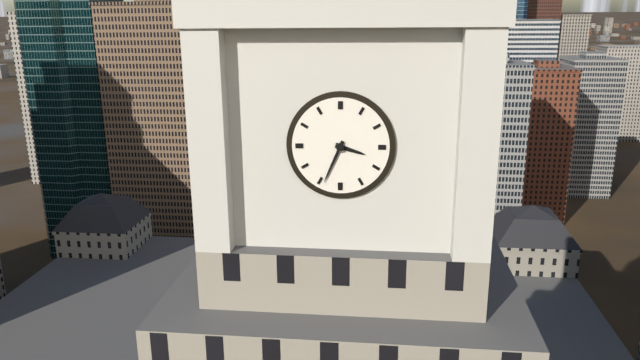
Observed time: 3:34
